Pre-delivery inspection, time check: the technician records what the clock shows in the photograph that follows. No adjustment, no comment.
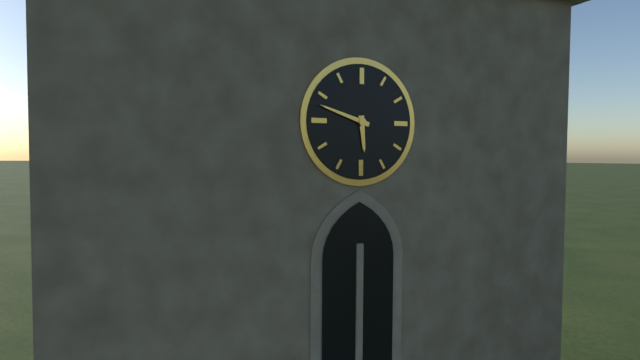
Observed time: 5:48
